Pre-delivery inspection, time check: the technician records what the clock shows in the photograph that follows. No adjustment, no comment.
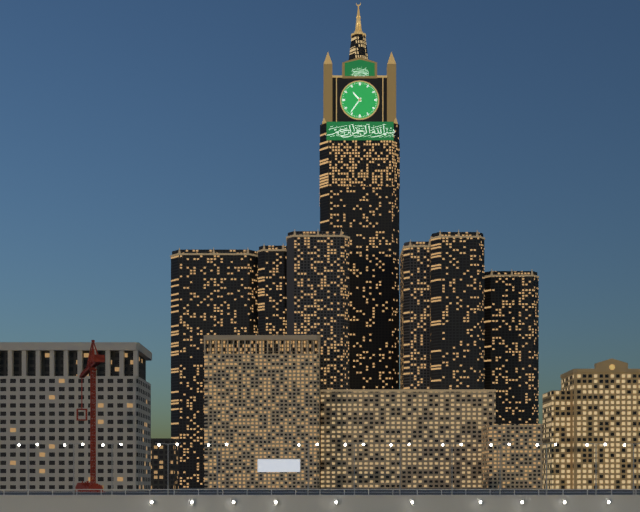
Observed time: 10:36
